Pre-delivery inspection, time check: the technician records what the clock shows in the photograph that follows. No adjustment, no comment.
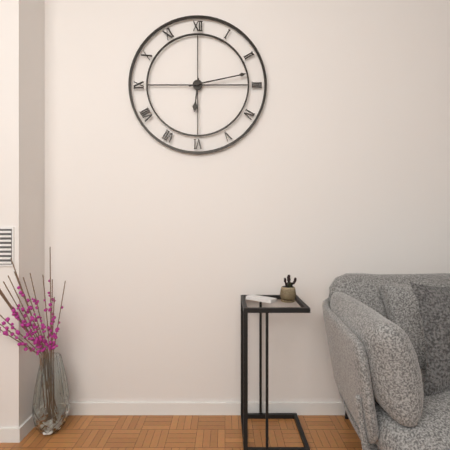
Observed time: 6:13
